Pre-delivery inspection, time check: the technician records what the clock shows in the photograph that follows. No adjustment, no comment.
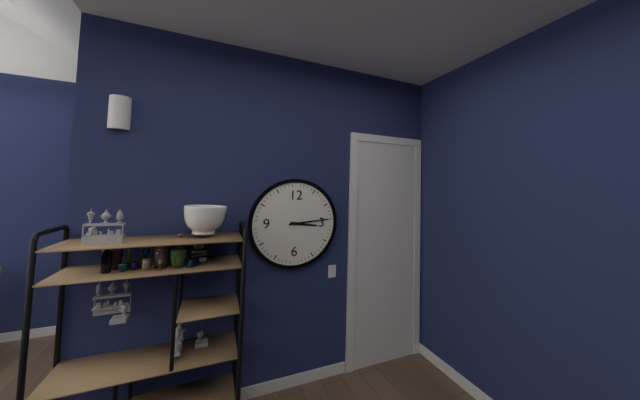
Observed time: 3:14
